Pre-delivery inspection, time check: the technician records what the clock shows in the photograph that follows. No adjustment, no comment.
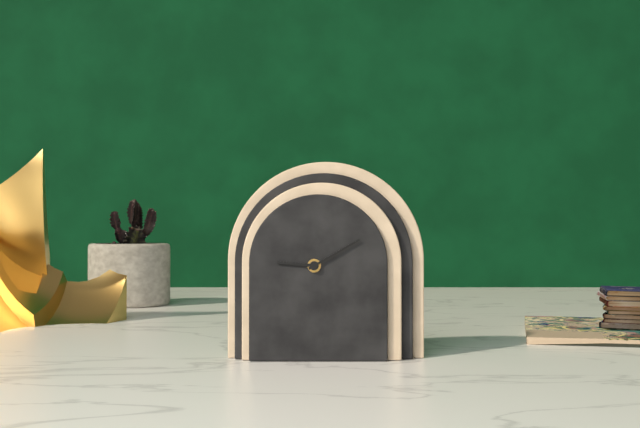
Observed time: 9:10
